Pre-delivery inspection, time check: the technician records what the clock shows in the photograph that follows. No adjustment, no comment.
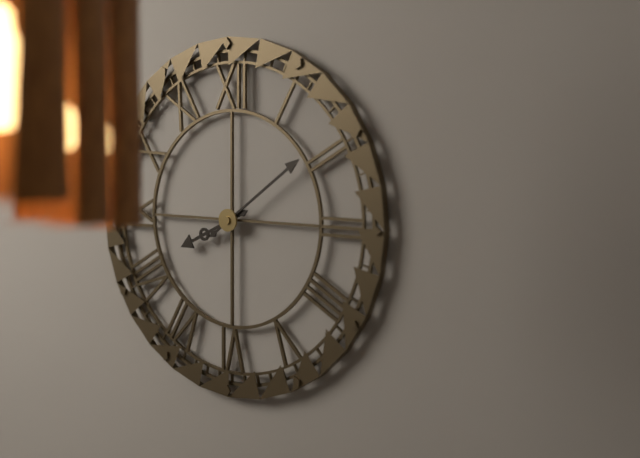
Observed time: 8:09
